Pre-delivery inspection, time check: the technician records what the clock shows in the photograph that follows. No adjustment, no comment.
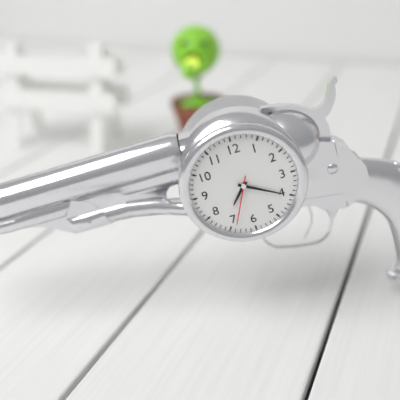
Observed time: 7:20:34
